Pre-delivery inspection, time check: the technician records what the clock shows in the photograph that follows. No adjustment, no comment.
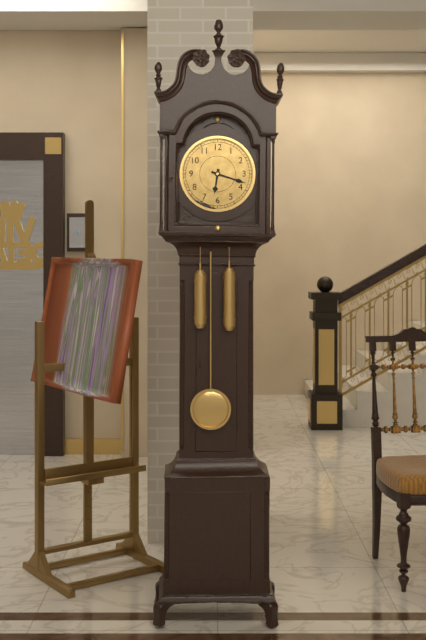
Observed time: 6:18
